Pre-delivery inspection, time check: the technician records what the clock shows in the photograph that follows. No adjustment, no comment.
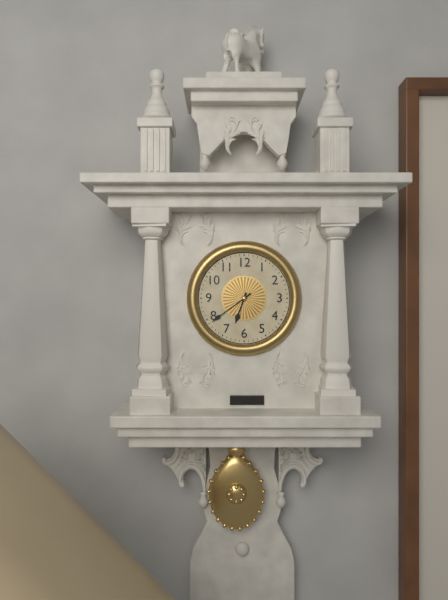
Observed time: 6:39
